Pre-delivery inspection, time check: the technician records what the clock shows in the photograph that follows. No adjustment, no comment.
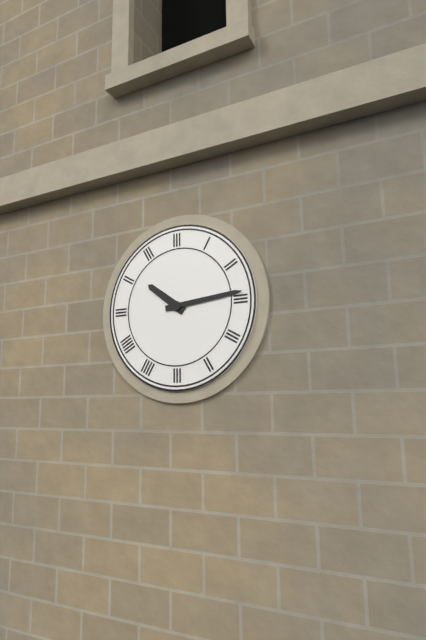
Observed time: 10:14
